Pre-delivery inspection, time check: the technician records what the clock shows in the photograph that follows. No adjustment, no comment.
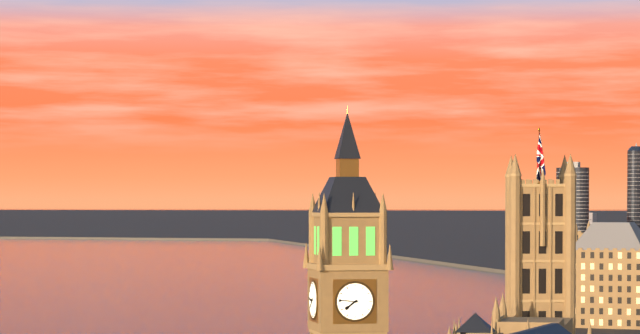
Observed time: 7:46
